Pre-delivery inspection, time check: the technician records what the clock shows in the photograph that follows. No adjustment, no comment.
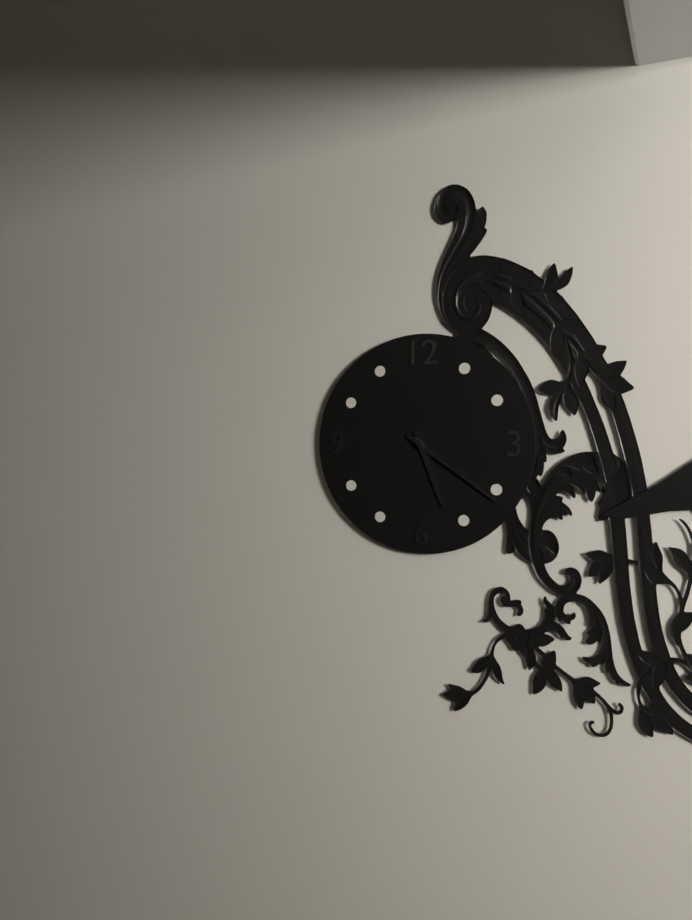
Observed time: 5:21
